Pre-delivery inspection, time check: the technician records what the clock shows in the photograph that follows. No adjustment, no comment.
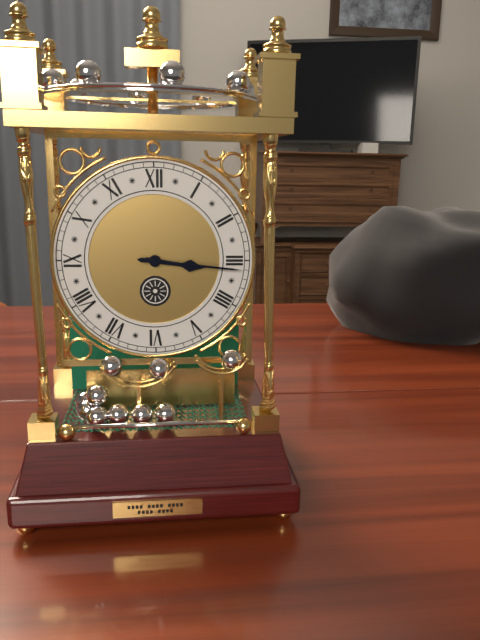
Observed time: 3:16
